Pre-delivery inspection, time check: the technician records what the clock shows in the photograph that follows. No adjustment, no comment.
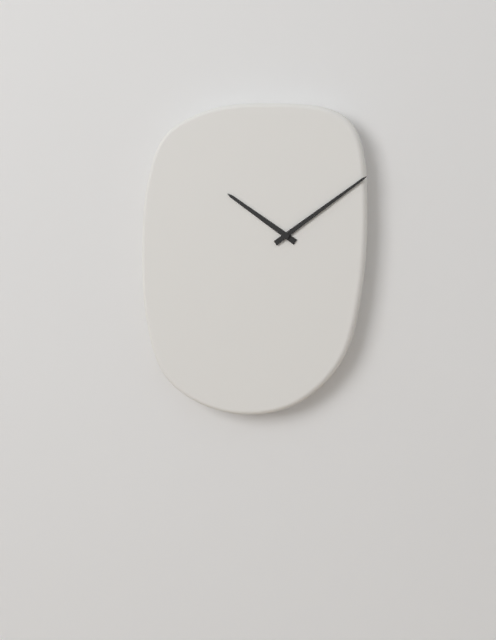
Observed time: 10:09
